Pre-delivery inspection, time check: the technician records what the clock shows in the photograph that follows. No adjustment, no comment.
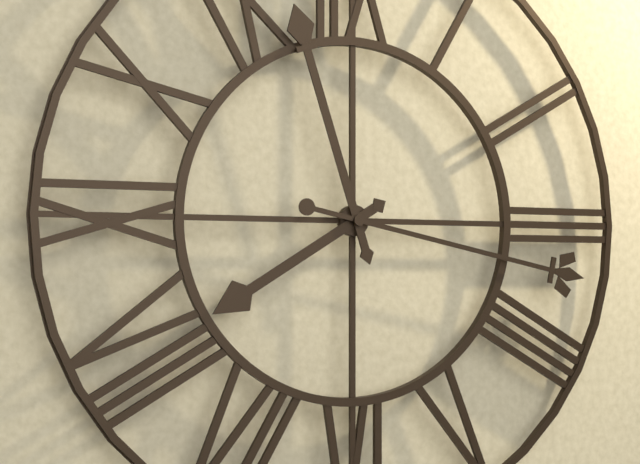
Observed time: 7:57:17
